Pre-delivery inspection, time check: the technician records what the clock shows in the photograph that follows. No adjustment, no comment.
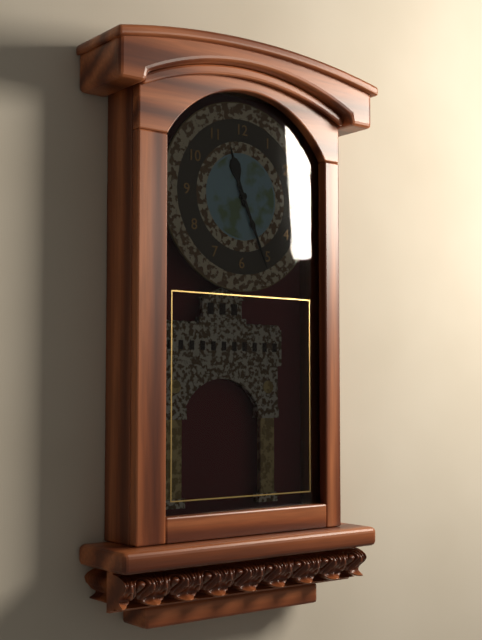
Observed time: 11:26
